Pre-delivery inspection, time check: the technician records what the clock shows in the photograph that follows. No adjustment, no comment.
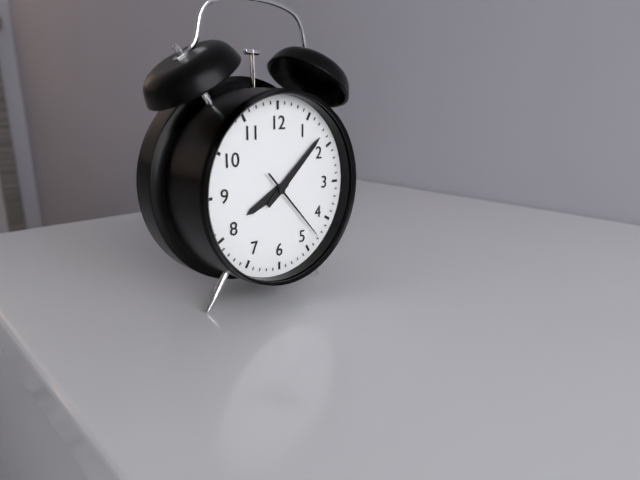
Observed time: 8:08:23
